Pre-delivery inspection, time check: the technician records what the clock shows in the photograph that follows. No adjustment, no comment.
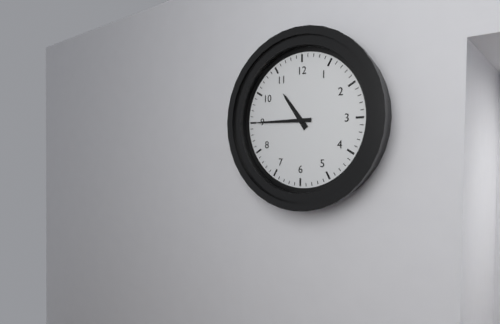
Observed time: 10:45
